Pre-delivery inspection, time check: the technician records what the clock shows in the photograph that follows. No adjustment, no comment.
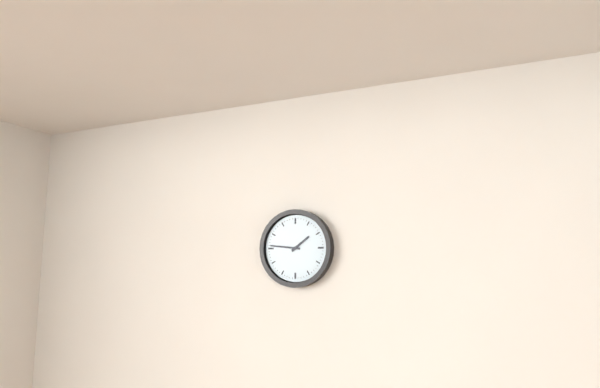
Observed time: 1:46
